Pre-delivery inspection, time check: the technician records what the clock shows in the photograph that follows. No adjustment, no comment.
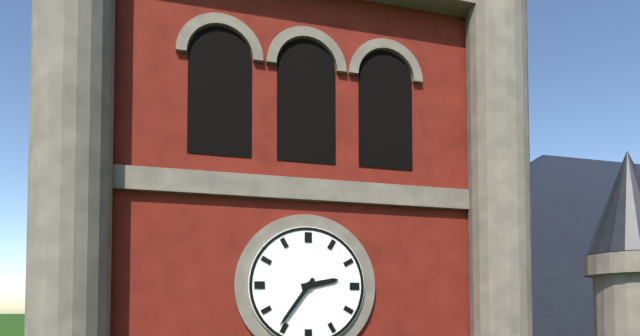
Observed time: 2:36
